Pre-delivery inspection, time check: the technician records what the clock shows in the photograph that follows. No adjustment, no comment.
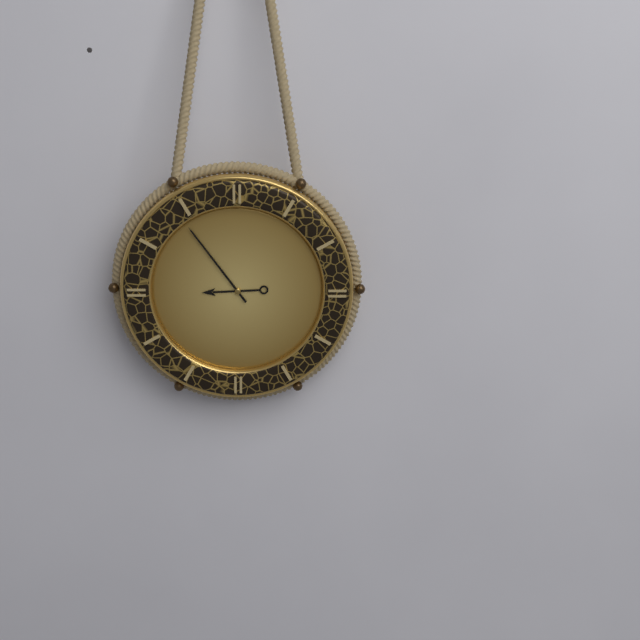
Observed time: 8:54
